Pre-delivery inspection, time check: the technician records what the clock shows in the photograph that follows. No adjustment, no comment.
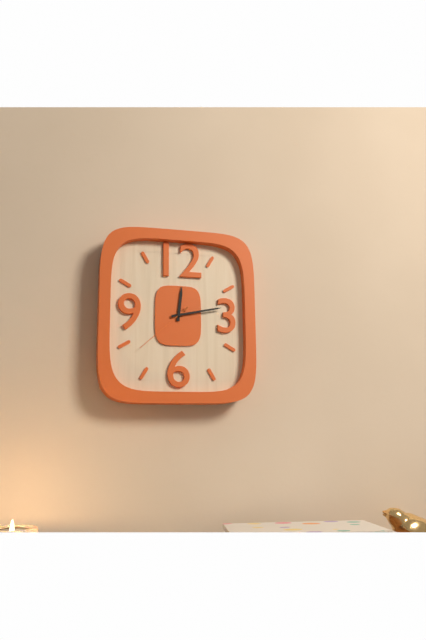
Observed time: 12:13:38
